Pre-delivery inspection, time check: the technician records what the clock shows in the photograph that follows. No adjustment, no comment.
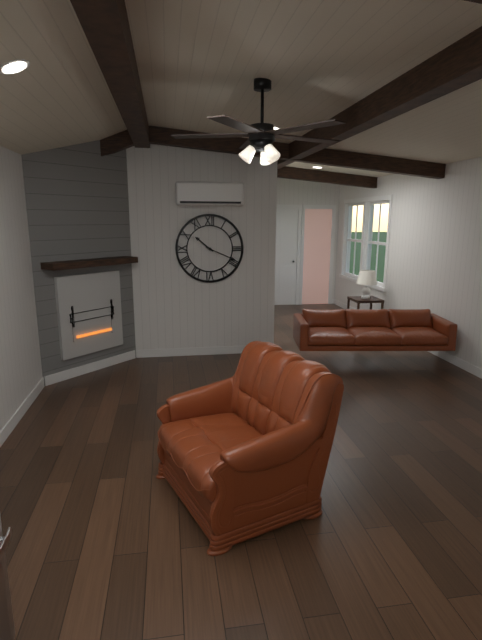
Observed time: 10:19
